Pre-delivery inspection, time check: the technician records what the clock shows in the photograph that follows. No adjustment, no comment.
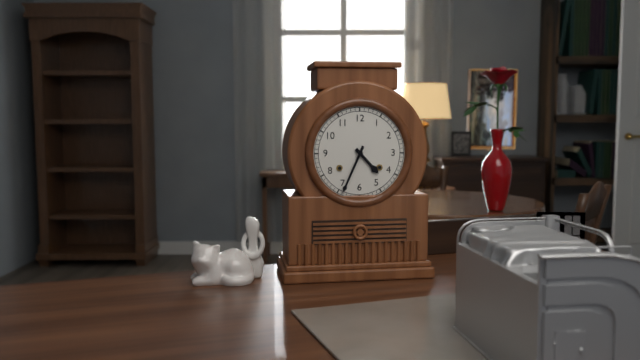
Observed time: 4:34
